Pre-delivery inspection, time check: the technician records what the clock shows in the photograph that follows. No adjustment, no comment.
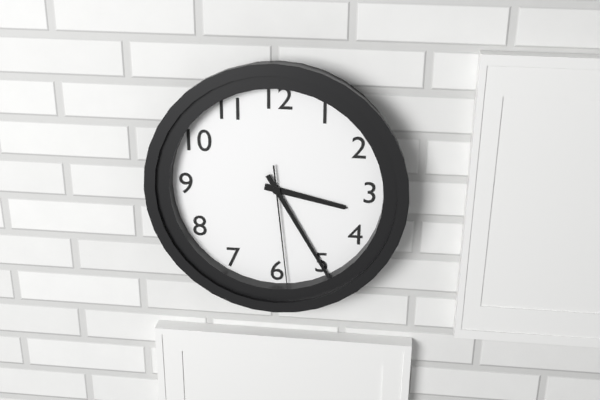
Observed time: 3:25:29
